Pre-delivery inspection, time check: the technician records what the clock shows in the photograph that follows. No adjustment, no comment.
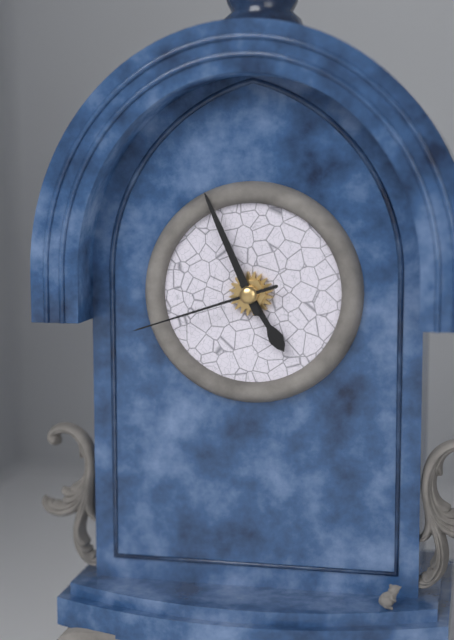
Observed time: 4:56:42
